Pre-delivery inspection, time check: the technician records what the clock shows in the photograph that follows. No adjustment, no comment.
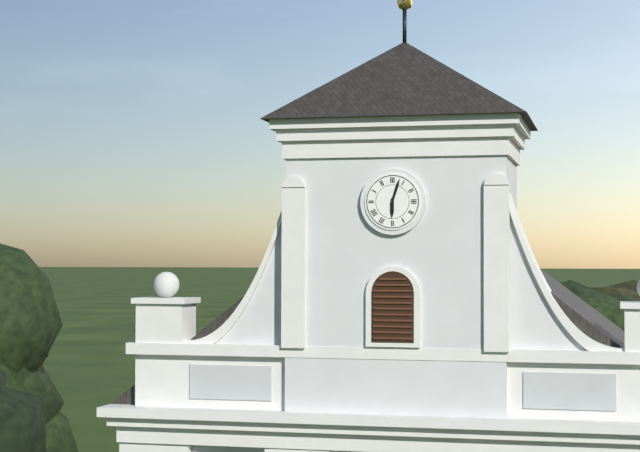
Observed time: 6:03
